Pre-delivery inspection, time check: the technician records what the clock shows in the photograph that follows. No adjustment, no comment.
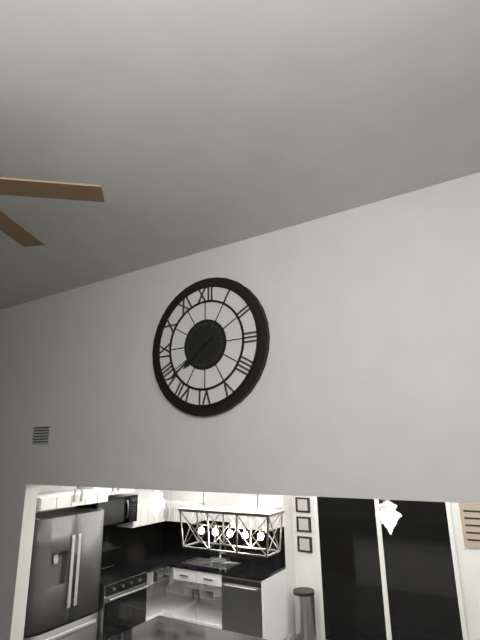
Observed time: 7:39
